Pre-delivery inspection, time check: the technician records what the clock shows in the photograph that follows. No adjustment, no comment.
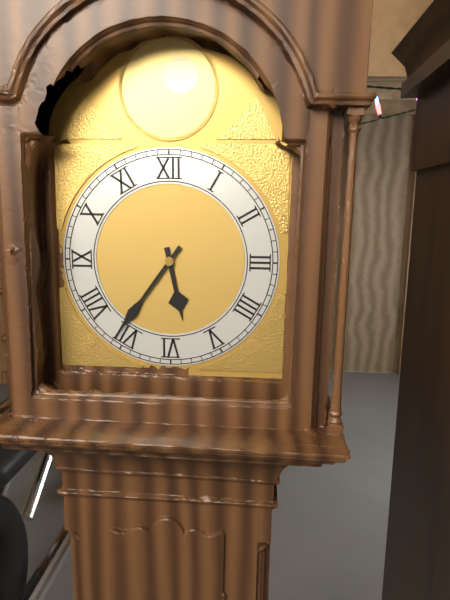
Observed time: 5:36
